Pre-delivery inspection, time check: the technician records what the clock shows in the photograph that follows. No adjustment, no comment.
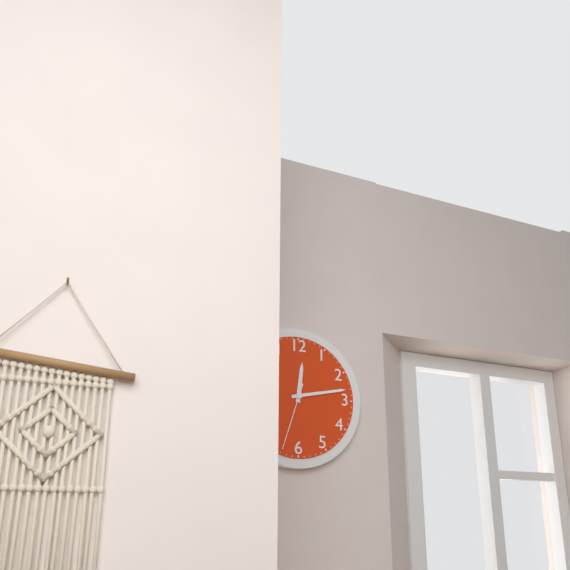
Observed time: 12:13:33
